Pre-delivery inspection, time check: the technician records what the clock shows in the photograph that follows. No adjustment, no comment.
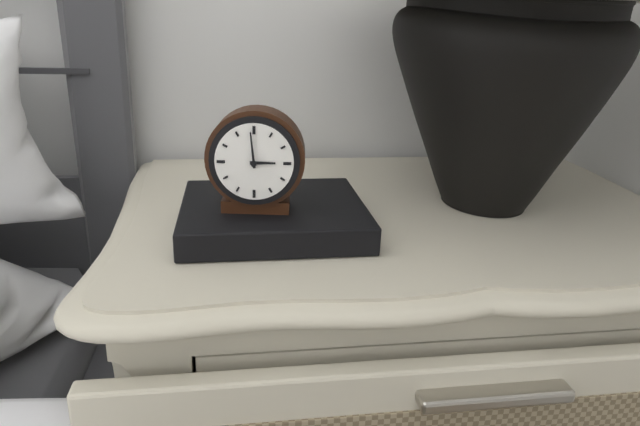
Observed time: 2:59
